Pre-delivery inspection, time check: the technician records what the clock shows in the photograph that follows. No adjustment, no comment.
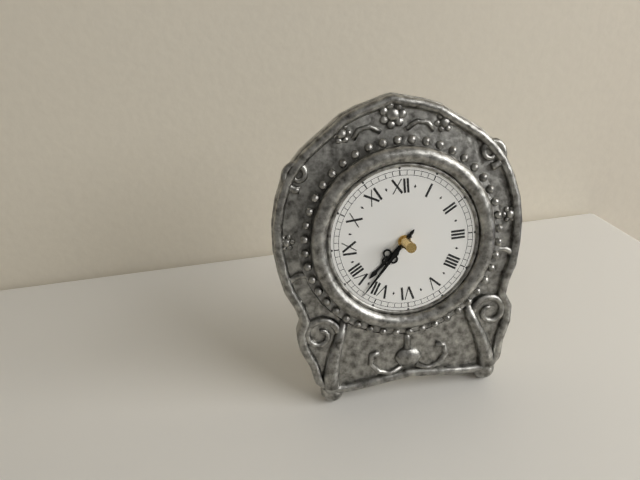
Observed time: 7:37
